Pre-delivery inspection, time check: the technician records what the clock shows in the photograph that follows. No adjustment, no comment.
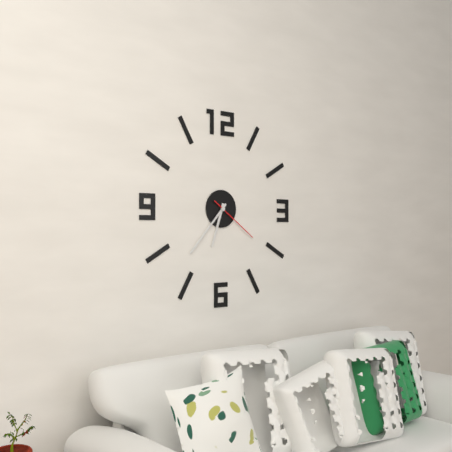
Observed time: 6:37:21
